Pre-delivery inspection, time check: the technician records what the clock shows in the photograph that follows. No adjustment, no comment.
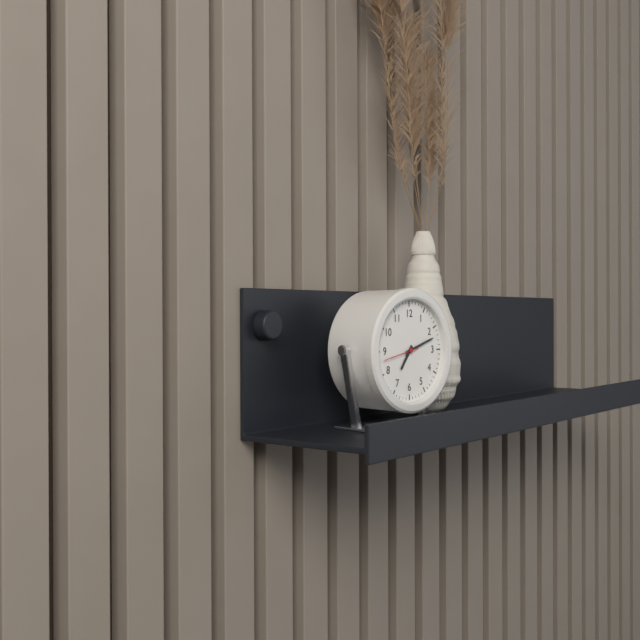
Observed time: 7:12
